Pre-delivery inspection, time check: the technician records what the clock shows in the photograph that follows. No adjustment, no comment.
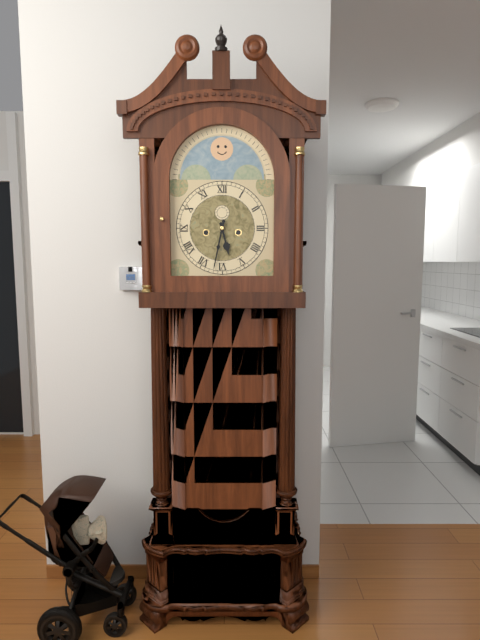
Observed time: 5:32
